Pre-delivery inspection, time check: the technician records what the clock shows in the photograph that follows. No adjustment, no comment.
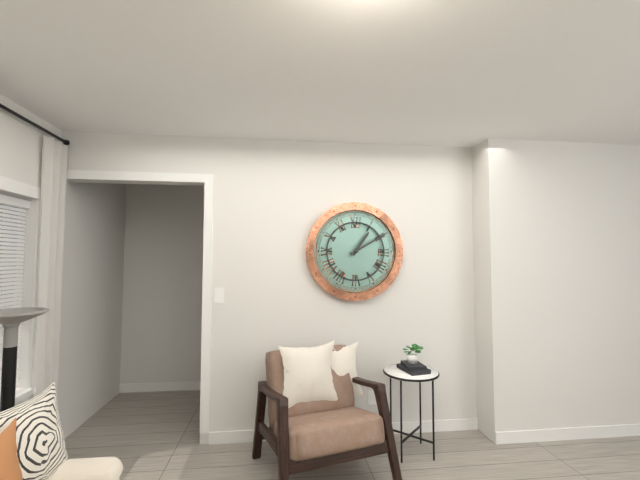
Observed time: 1:10
